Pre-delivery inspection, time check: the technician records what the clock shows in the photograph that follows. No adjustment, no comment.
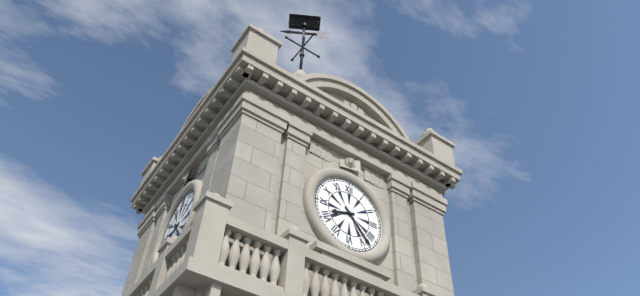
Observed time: 8:23
